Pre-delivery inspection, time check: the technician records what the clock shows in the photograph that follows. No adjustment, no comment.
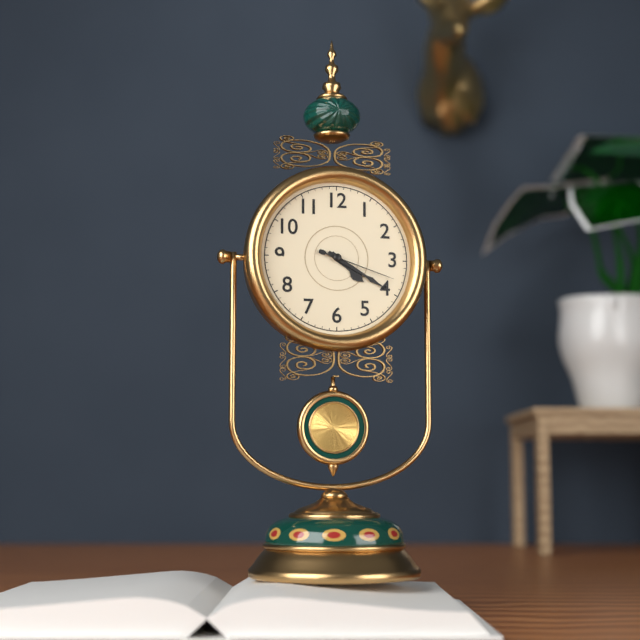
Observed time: 4:20:18
